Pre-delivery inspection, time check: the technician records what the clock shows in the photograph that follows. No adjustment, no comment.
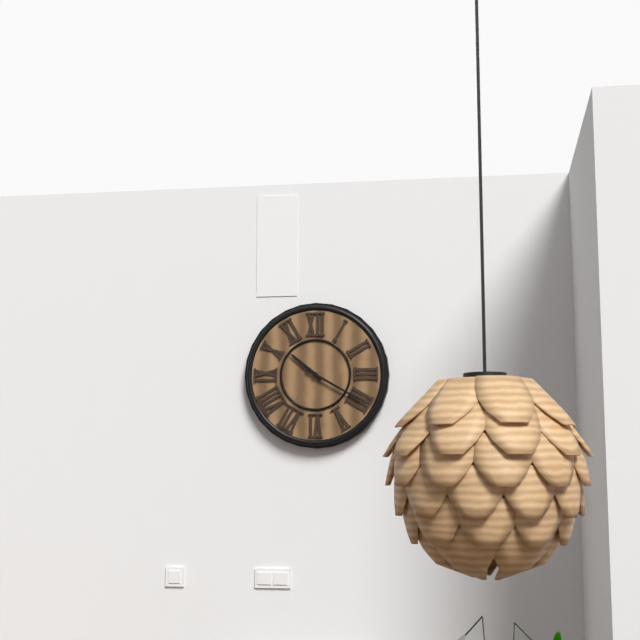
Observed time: 10:20
